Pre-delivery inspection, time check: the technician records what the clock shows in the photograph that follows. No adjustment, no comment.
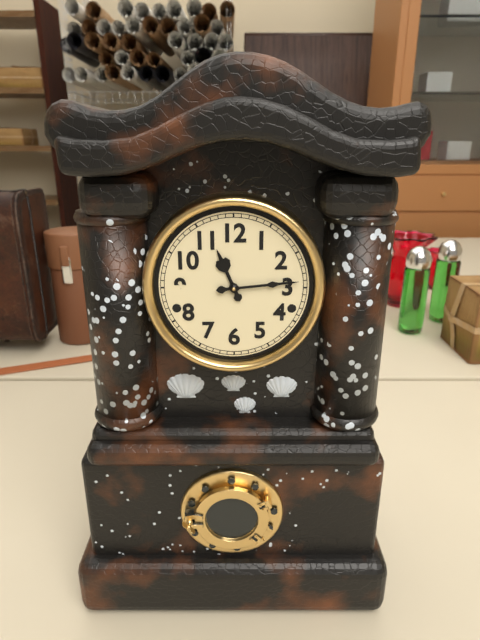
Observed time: 11:14
